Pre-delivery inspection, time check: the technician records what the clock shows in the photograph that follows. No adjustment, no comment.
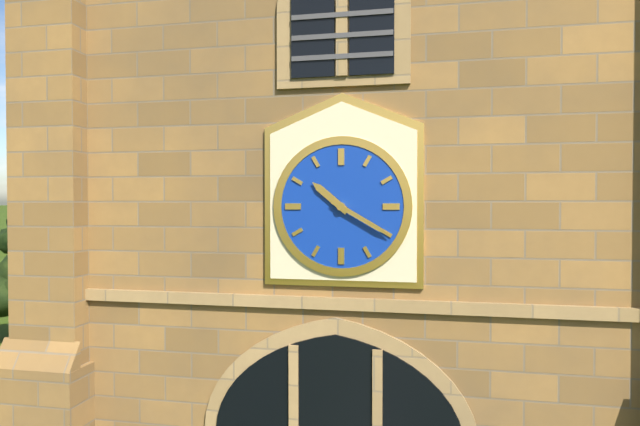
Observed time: 10:20
